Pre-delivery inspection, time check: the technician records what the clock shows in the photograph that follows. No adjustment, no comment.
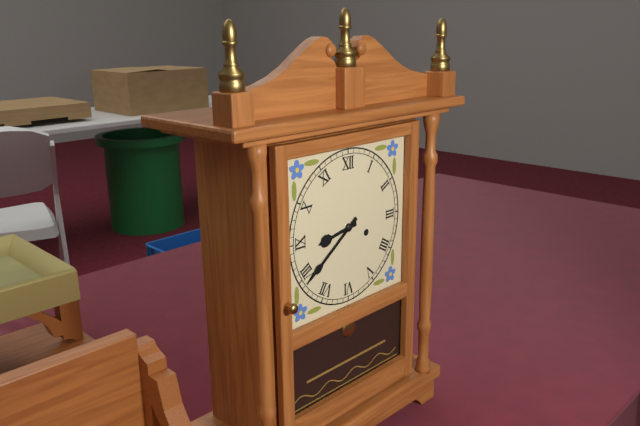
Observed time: 8:39
